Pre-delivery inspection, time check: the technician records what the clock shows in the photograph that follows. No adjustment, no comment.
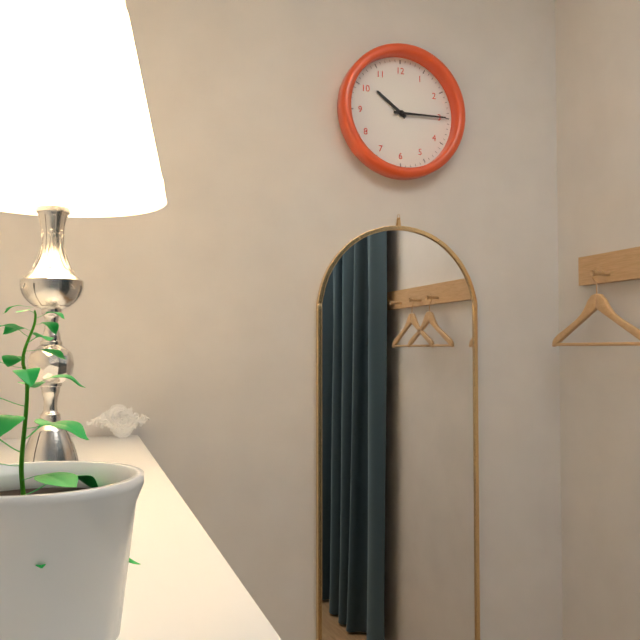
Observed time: 10:15
